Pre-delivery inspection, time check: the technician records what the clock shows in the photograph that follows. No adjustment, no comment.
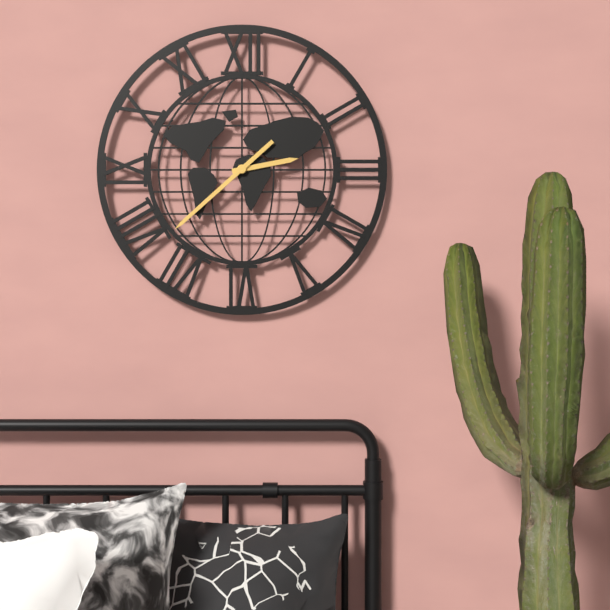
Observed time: 2:38
